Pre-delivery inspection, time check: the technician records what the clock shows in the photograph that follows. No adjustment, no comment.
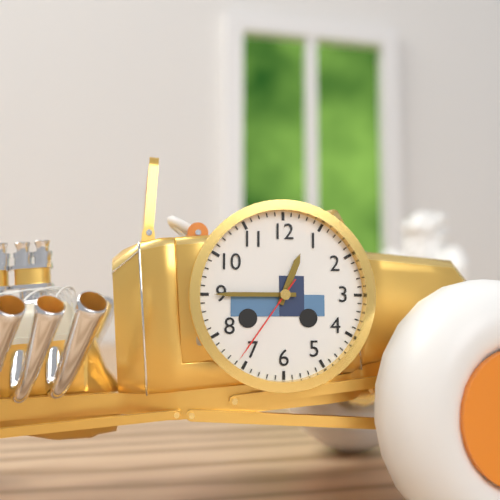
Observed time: 12:45:36
